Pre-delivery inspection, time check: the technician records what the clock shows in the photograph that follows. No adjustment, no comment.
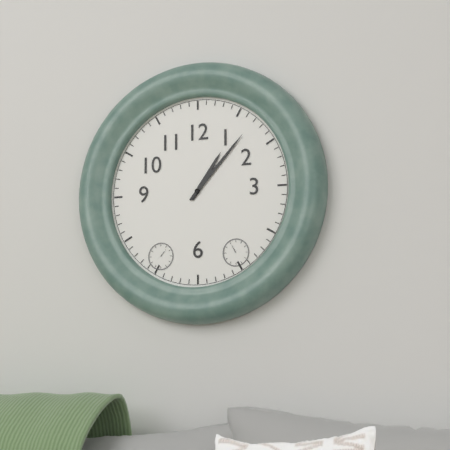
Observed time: 1:07
